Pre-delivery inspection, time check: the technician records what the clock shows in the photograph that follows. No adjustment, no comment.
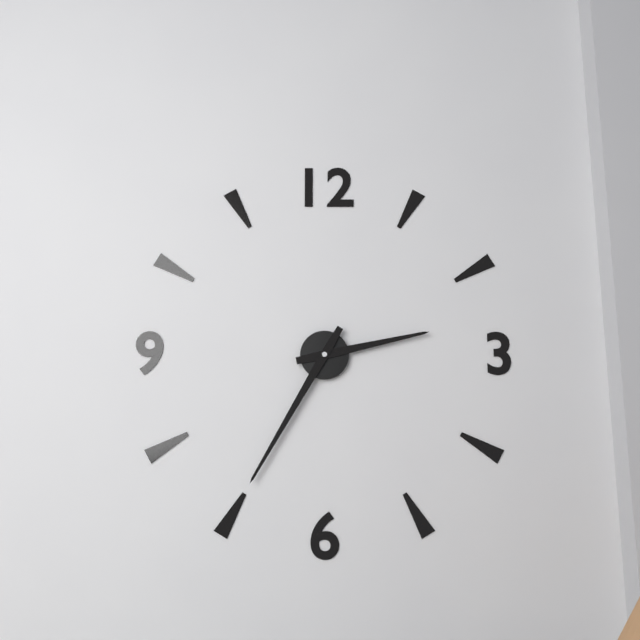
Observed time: 2:35
